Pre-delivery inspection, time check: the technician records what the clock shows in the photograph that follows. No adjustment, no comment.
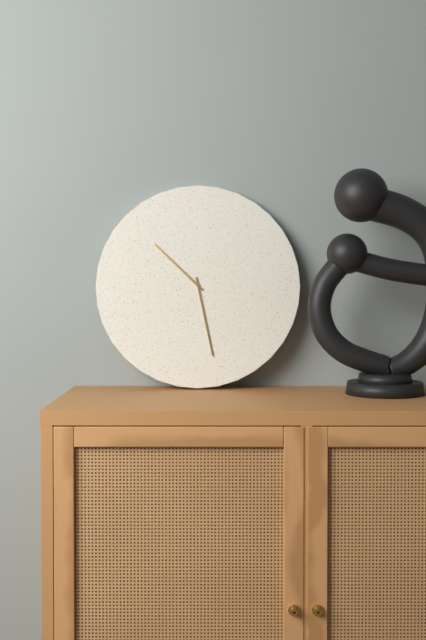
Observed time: 10:28
